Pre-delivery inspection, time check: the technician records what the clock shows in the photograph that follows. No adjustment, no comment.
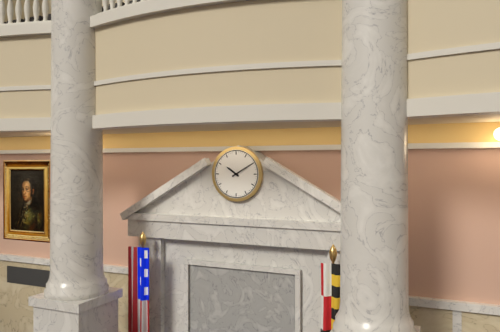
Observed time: 10:10
